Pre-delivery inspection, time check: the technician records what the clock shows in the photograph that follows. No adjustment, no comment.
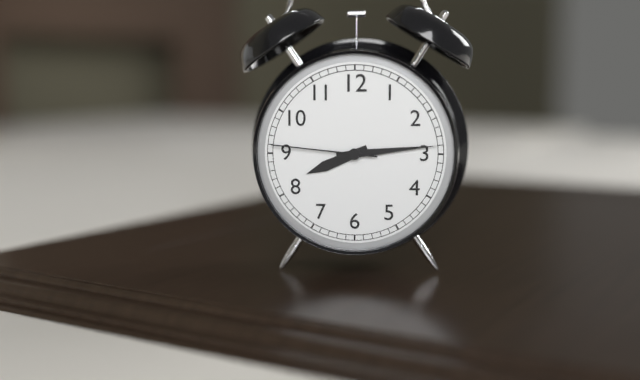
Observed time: 8:14:46
